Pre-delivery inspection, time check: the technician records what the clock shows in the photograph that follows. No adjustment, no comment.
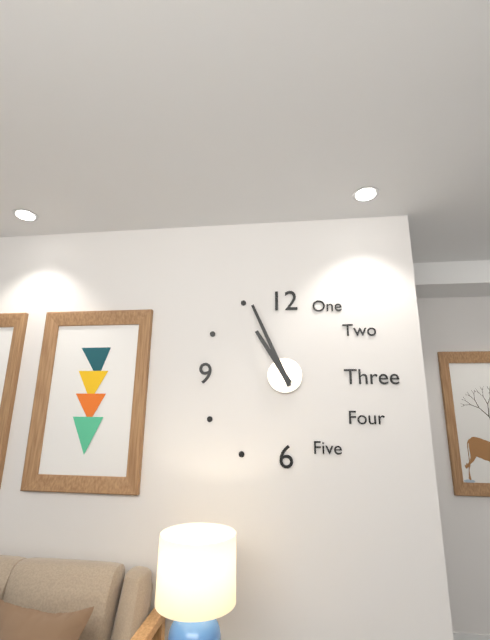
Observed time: 10:56
